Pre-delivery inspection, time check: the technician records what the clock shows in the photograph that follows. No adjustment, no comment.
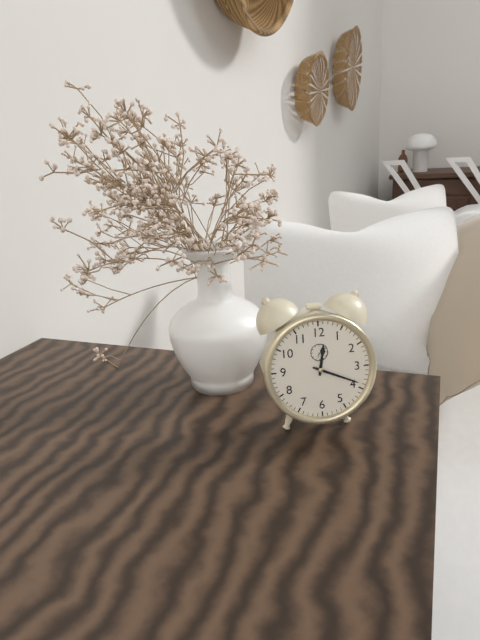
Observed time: 12:19
